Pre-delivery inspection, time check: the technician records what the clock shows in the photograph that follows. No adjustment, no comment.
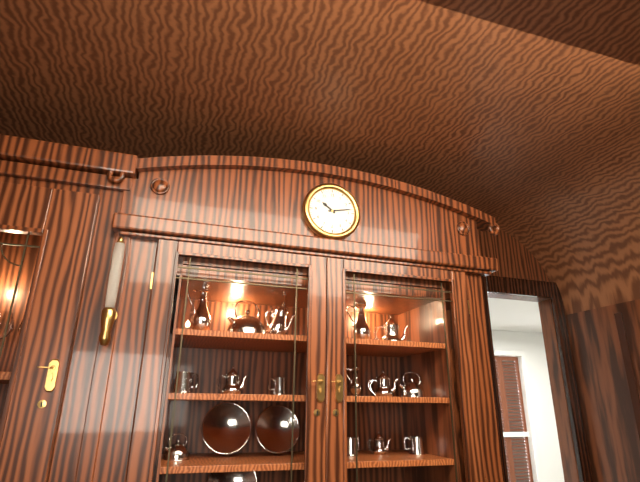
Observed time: 10:13
